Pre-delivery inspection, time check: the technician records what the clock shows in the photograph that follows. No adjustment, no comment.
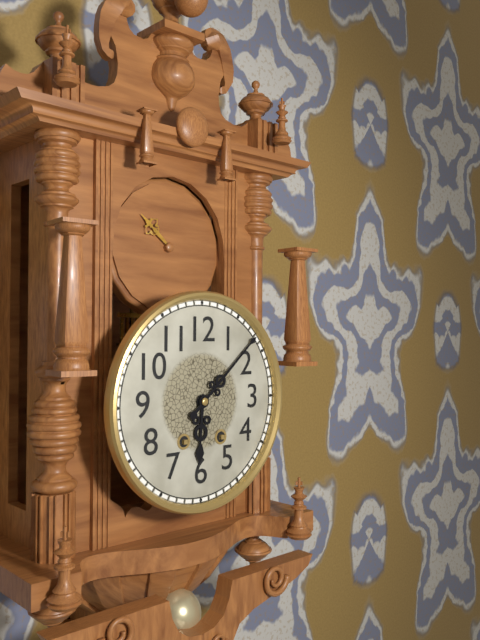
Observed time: 6:08
